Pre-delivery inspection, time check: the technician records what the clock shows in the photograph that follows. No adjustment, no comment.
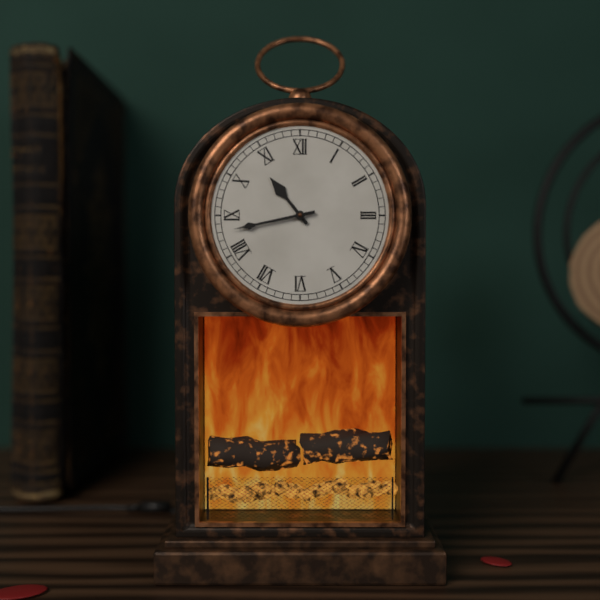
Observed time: 10:43
